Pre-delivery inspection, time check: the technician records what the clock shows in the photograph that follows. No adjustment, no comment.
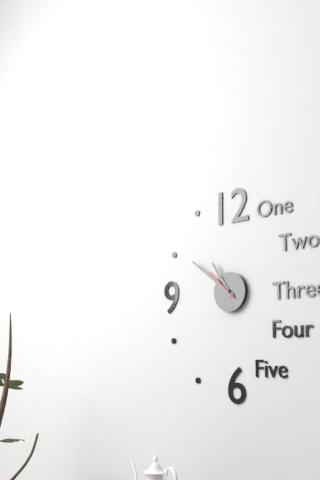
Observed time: 10:51
